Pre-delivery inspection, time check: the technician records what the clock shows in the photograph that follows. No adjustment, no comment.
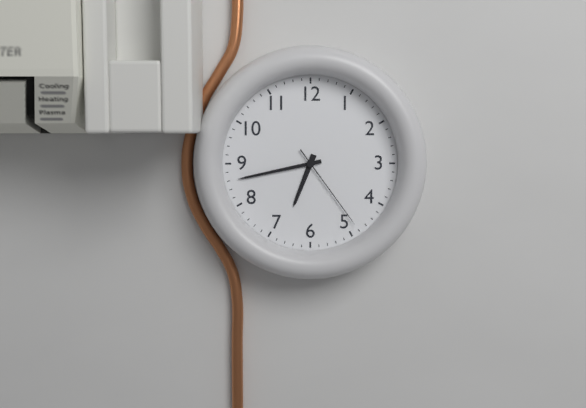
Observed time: 6:43:24
